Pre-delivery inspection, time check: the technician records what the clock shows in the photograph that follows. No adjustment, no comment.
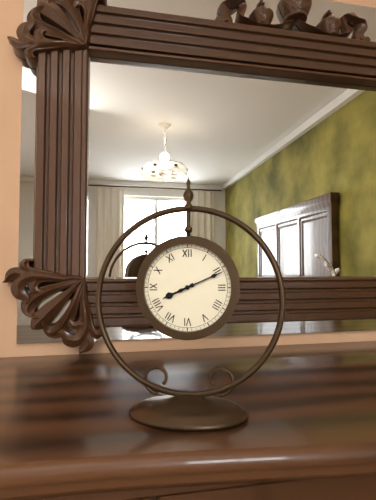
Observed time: 8:11
